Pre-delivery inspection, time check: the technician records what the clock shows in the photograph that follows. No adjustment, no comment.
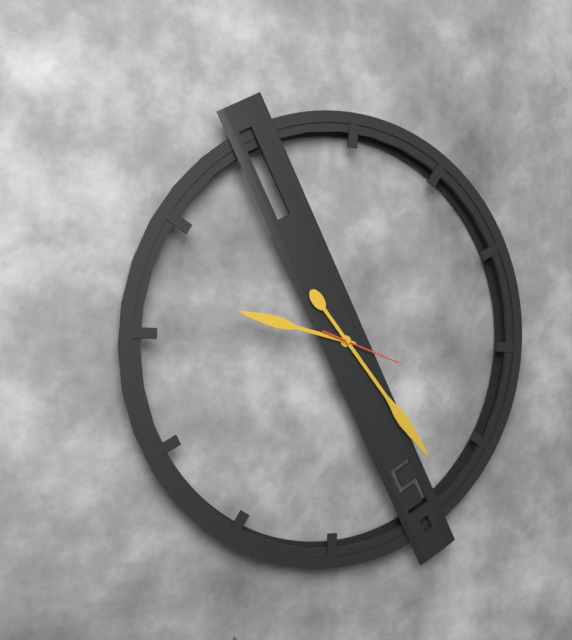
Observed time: 9:23:18
